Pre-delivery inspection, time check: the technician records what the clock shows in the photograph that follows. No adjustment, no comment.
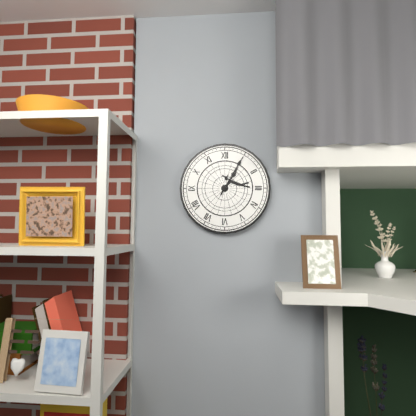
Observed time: 1:05
